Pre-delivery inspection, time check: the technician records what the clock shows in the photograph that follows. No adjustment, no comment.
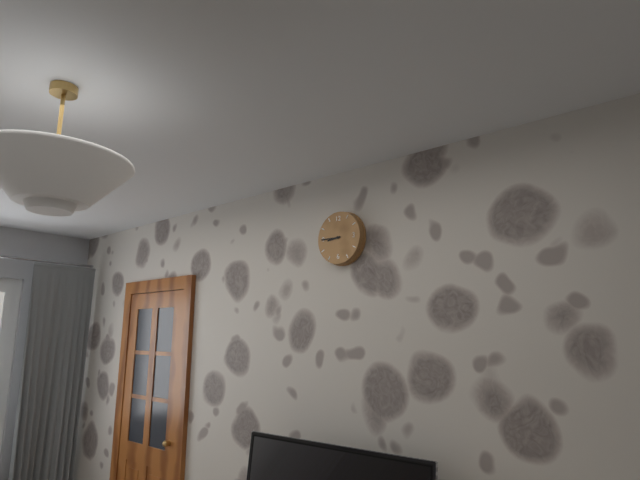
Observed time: 8:45
